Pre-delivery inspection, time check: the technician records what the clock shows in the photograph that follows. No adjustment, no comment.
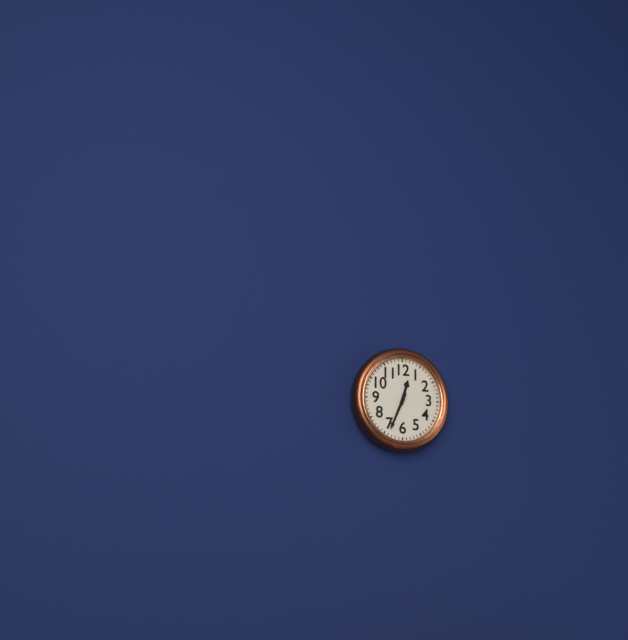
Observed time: 12:34
